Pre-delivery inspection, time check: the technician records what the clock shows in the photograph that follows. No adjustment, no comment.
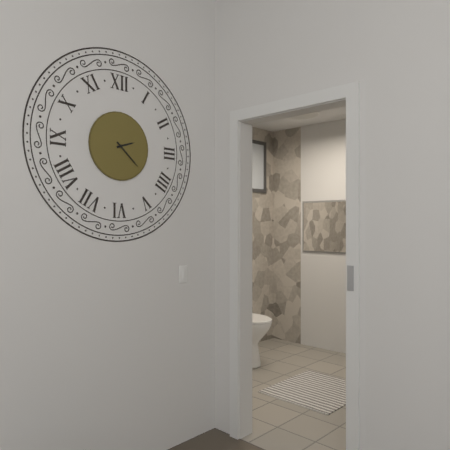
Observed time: 2:22
